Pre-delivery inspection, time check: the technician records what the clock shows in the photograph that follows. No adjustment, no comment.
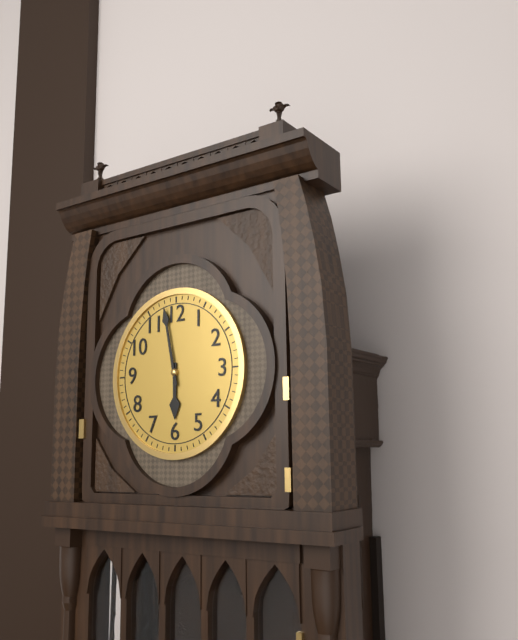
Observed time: 5:58
